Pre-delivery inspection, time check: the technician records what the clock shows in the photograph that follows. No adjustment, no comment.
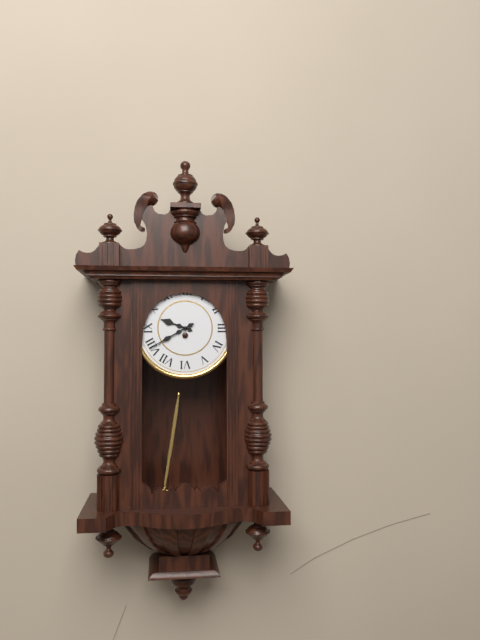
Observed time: 9:40
